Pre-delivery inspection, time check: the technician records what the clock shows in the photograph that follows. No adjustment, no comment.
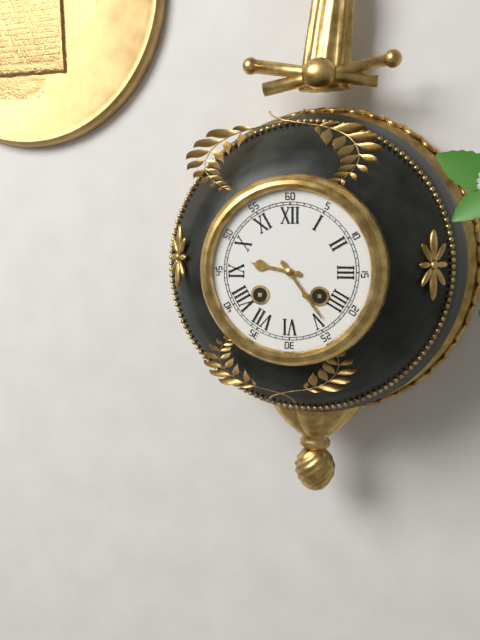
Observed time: 9:24
